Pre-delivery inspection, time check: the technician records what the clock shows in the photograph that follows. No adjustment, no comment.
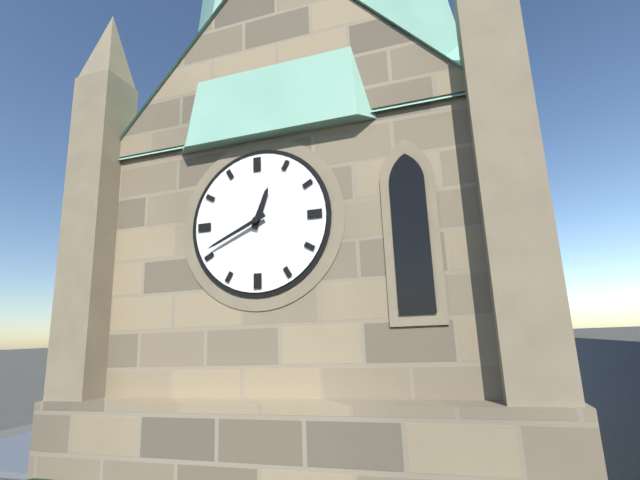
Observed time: 12:41
